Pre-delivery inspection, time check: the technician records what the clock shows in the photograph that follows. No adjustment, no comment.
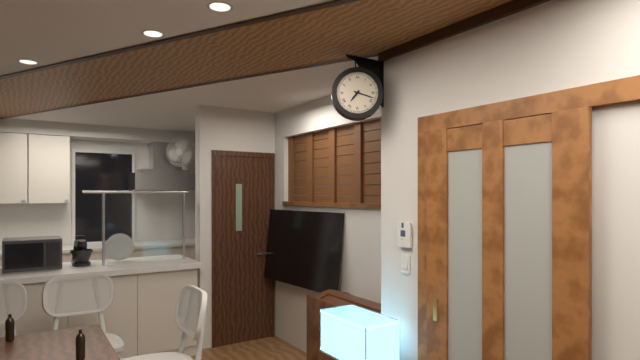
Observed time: 7:18
